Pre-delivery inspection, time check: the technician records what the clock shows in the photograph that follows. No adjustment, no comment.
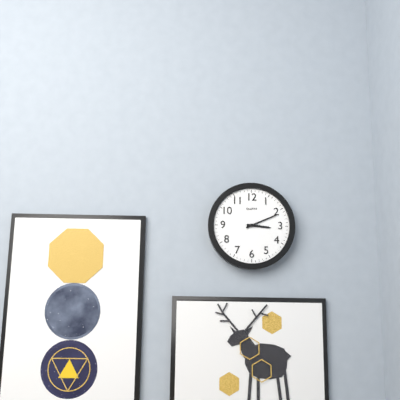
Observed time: 3:11
